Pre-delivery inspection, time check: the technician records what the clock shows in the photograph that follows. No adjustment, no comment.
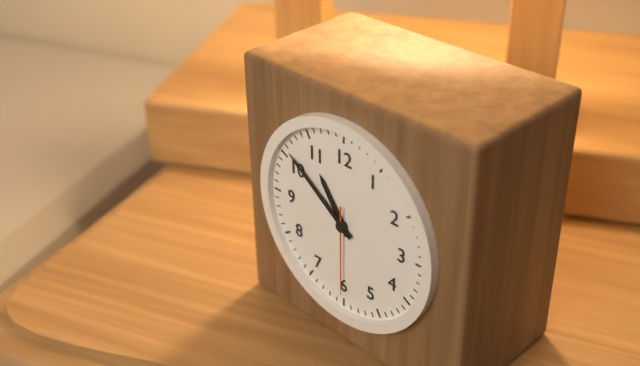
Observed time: 10:51:30
